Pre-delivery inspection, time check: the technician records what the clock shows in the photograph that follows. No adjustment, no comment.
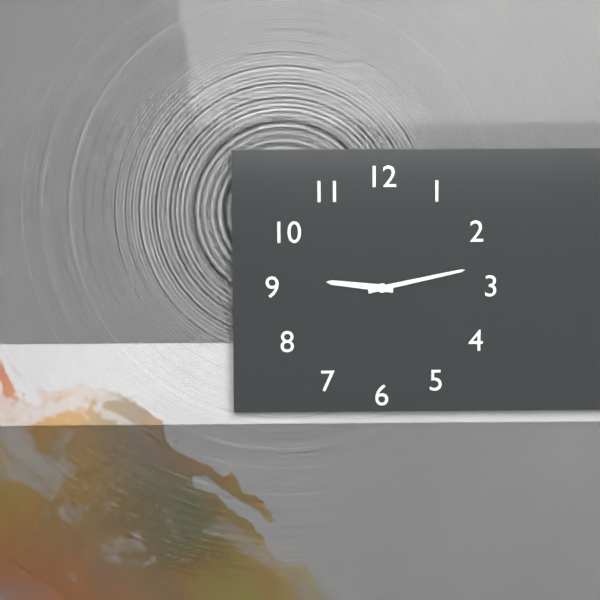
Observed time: 9:13
